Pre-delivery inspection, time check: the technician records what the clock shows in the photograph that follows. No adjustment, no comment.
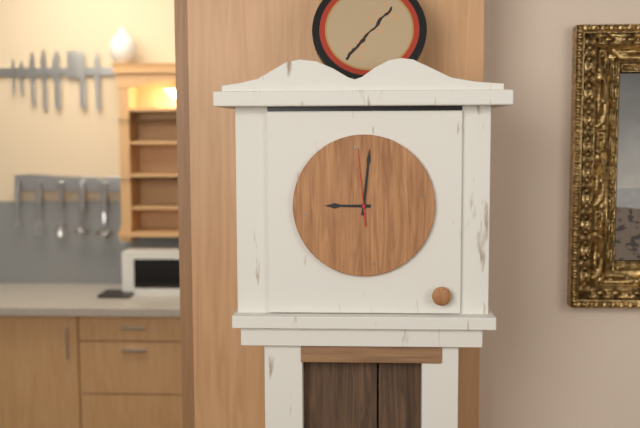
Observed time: 9:01:59
